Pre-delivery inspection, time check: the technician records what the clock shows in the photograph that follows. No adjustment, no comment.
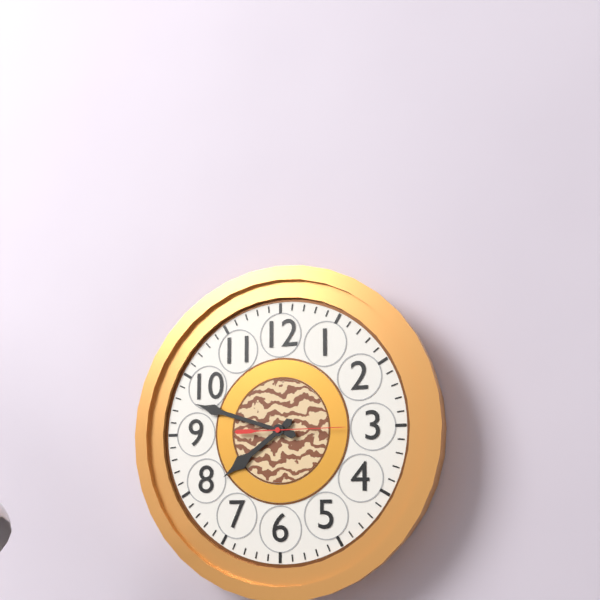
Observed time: 7:48:15
